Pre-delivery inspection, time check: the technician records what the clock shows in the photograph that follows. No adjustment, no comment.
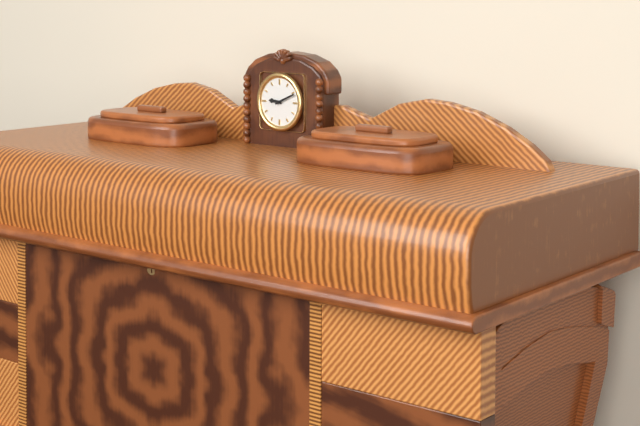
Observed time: 9:11
